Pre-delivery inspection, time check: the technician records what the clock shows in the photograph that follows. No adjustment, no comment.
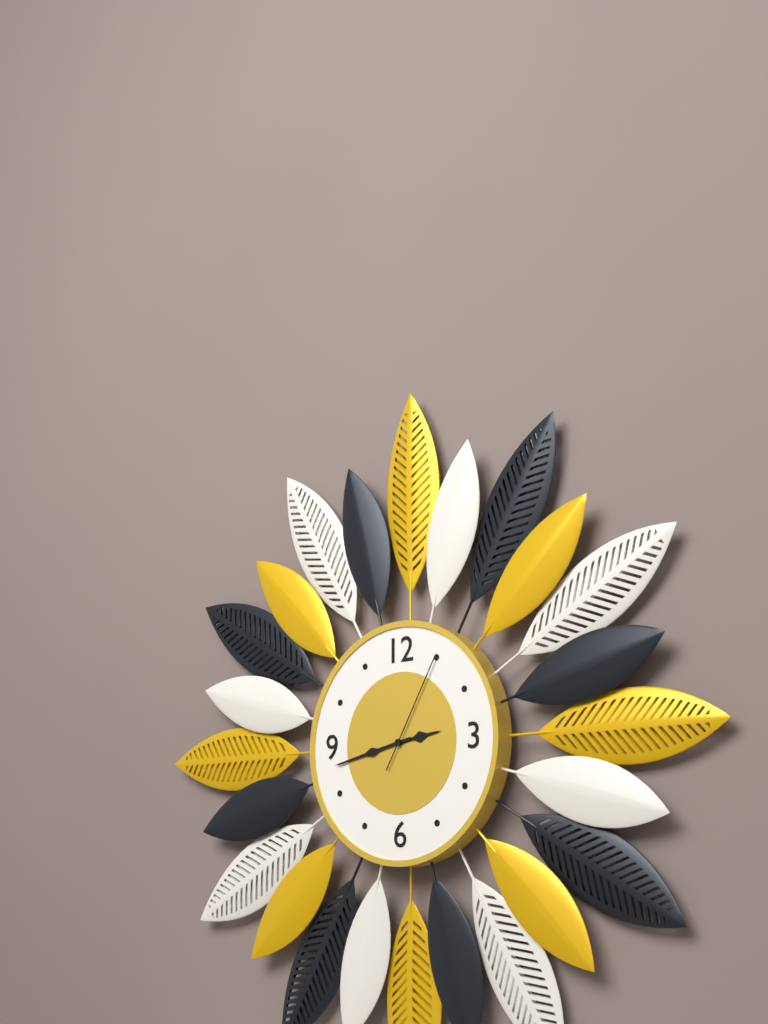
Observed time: 2:43:05
